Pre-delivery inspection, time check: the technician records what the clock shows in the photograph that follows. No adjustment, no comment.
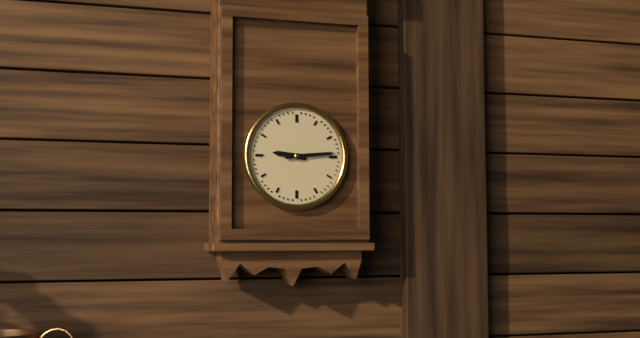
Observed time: 9:14
